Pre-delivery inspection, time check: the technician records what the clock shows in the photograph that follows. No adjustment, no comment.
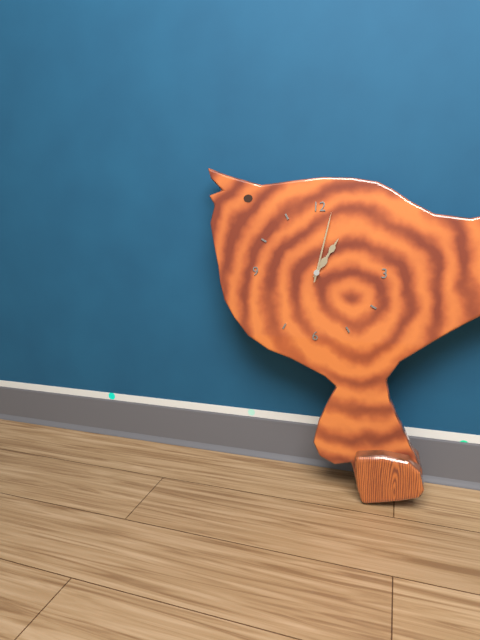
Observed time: 1:02
